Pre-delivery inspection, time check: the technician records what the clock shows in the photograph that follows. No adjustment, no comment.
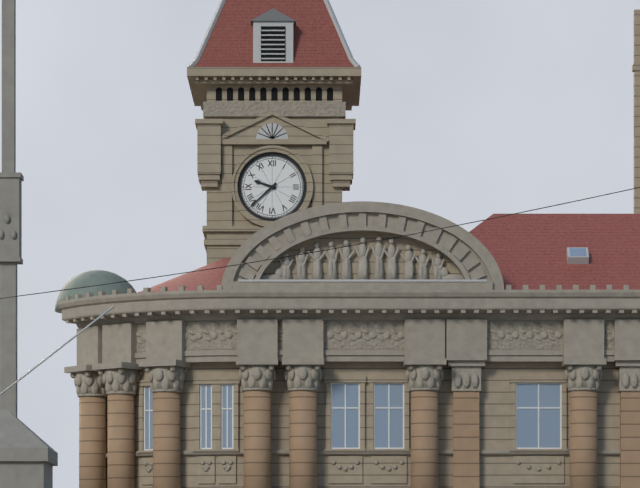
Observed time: 9:38
